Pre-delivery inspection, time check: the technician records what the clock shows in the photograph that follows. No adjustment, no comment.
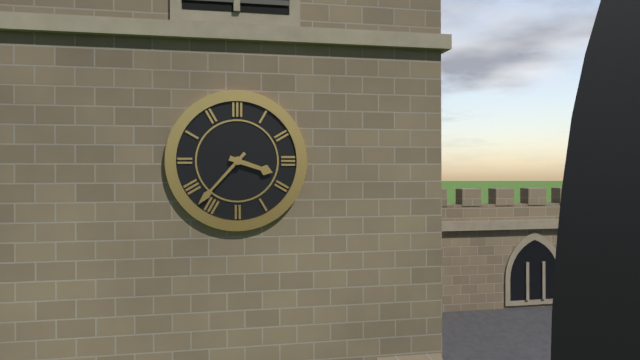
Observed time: 3:37
